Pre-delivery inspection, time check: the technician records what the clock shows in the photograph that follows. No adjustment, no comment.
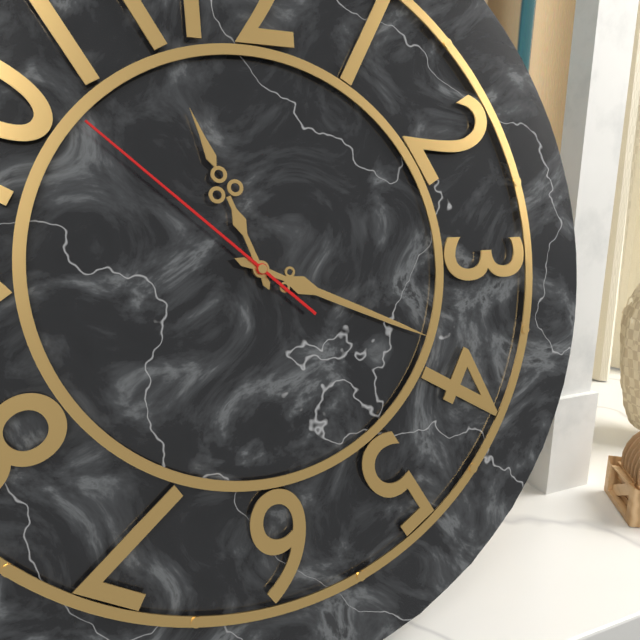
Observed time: 11:19:52
